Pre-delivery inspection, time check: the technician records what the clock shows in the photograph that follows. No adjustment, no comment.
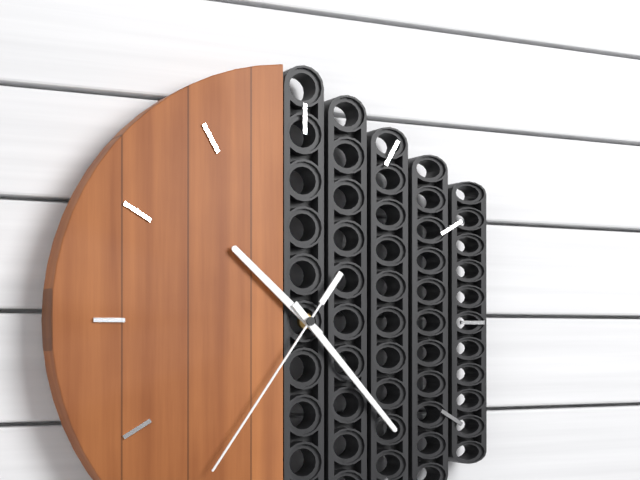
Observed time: 10:23:36
